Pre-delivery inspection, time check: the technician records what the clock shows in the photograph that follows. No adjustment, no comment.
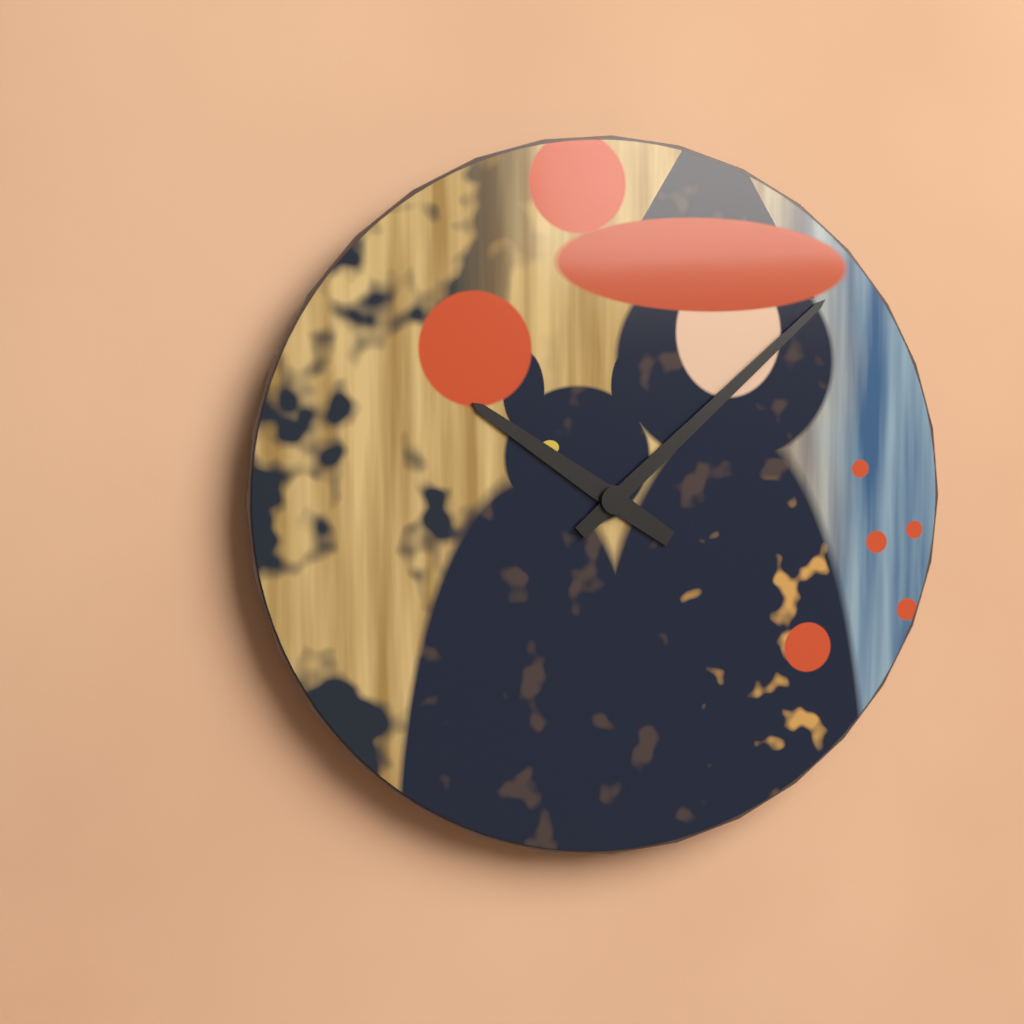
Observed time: 10:08
